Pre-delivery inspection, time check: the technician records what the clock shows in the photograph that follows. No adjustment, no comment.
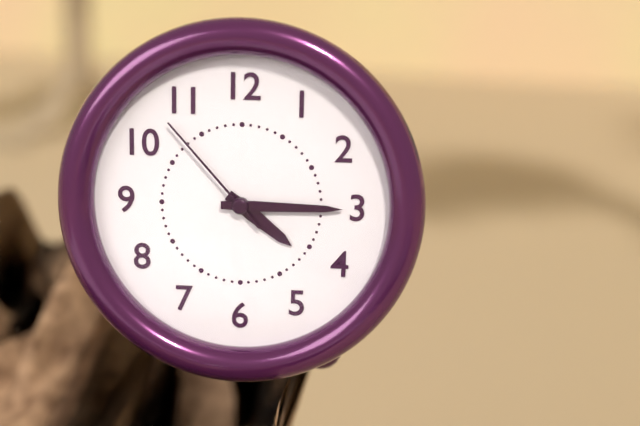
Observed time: 4:15:53
